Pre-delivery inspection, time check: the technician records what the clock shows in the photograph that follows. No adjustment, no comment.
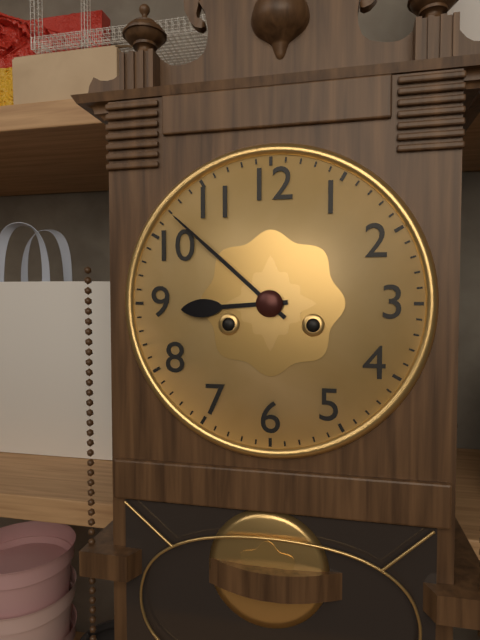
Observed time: 8:52
